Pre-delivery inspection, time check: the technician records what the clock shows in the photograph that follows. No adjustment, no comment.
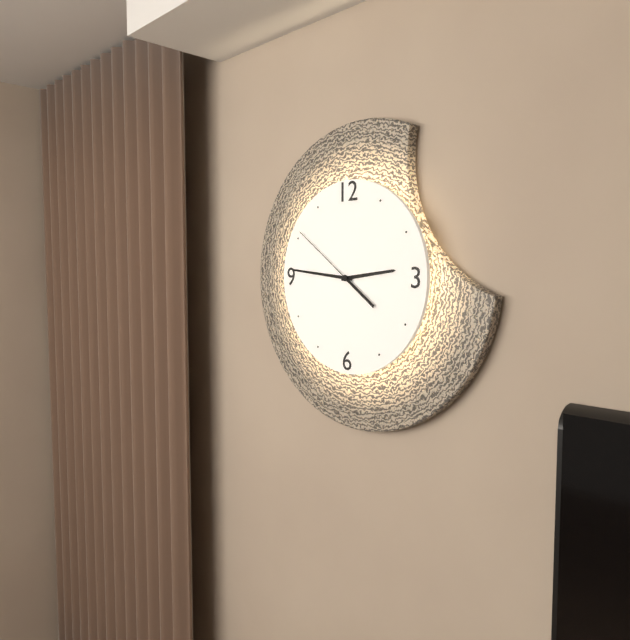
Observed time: 2:46:51
